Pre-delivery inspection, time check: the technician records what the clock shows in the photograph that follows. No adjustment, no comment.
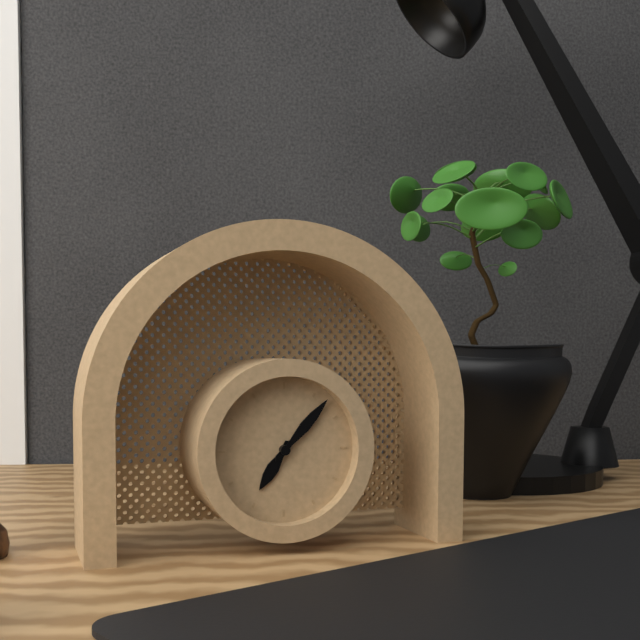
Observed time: 7:07
